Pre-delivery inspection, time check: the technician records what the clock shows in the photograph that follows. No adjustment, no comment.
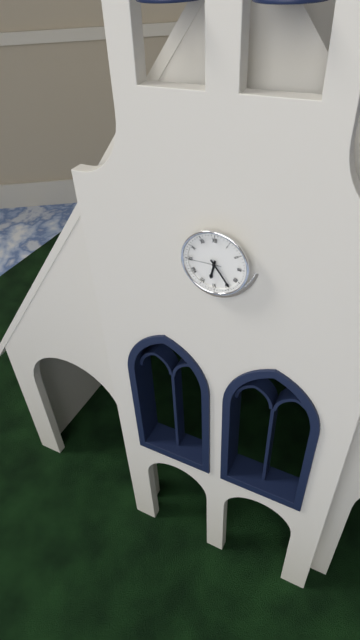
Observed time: 6:24
